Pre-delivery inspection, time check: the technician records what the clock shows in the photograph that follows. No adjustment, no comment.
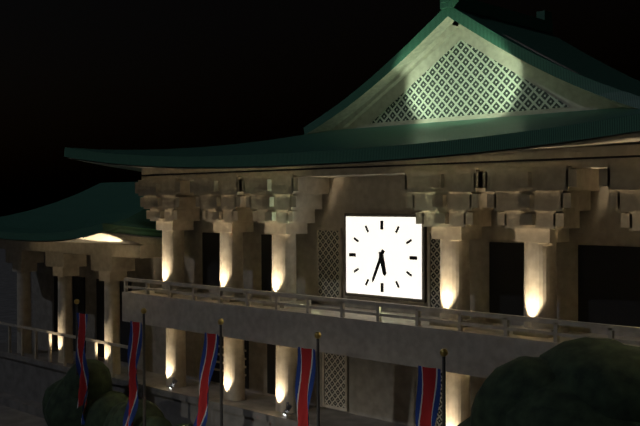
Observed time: 5:34
